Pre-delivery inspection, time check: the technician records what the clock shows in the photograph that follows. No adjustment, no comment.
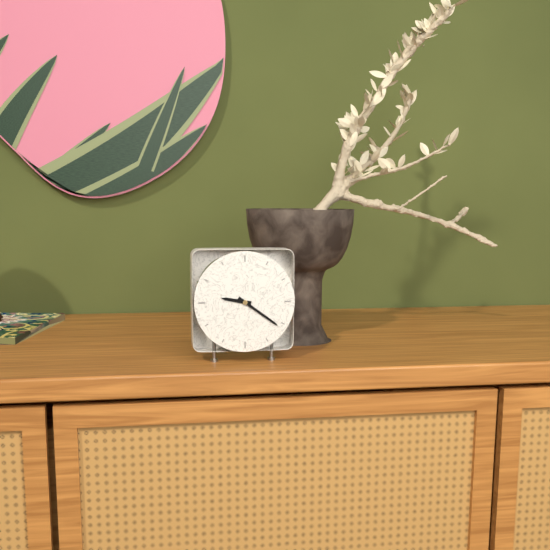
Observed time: 9:21
